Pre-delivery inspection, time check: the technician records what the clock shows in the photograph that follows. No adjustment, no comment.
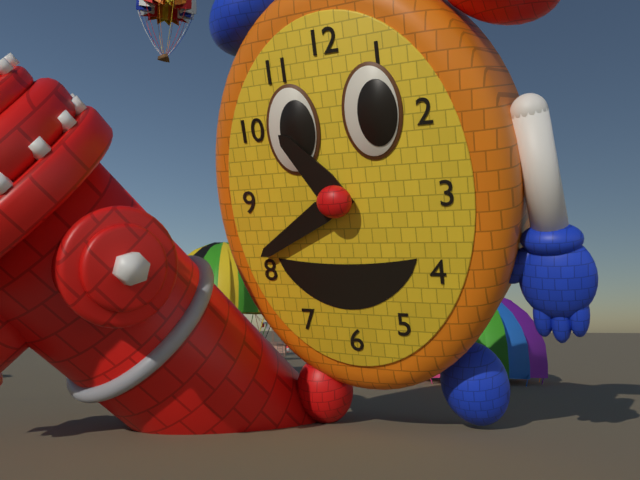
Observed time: 10:40
